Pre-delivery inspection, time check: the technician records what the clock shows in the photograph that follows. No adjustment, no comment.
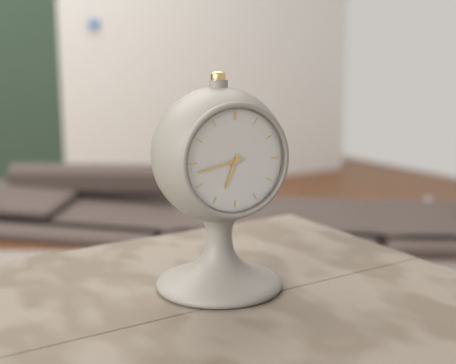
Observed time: 6:43
